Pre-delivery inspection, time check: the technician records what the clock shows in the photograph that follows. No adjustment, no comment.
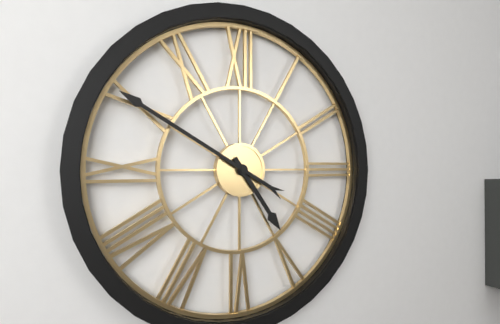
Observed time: 4:50
